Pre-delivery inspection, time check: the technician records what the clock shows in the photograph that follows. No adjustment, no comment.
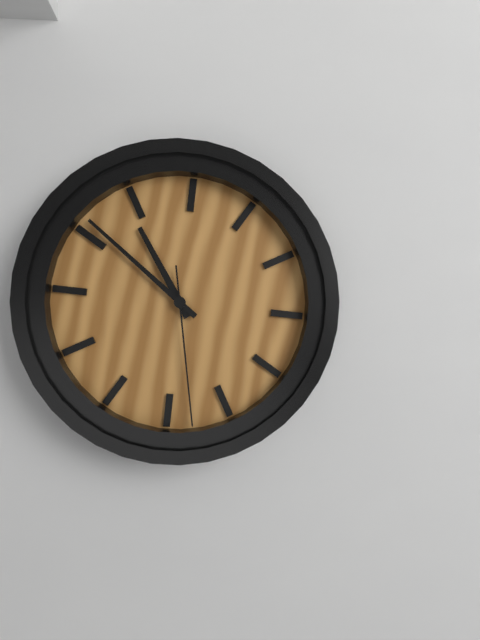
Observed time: 10:51:28
